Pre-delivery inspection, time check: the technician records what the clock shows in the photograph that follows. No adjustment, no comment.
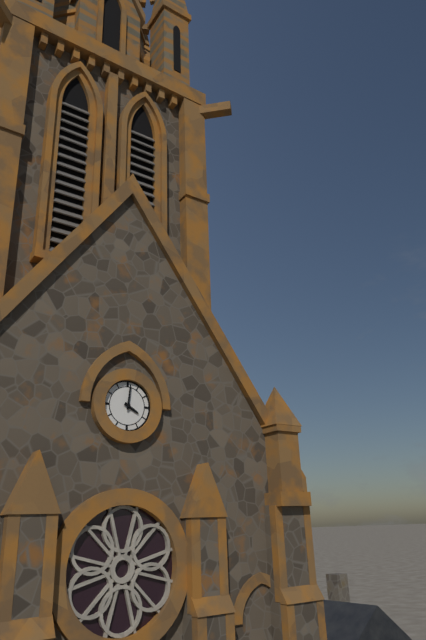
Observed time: 4:01
